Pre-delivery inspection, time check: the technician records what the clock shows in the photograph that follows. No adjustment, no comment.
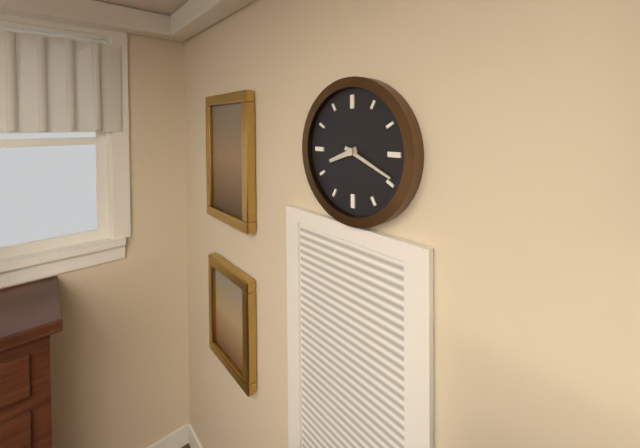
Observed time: 8:19
